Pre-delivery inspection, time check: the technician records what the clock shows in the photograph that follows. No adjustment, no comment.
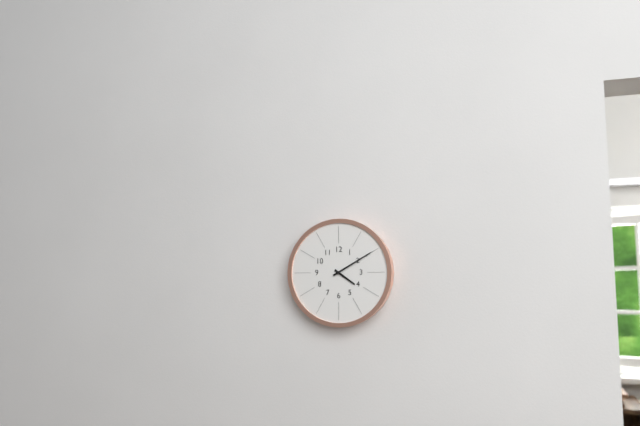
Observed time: 4:10
